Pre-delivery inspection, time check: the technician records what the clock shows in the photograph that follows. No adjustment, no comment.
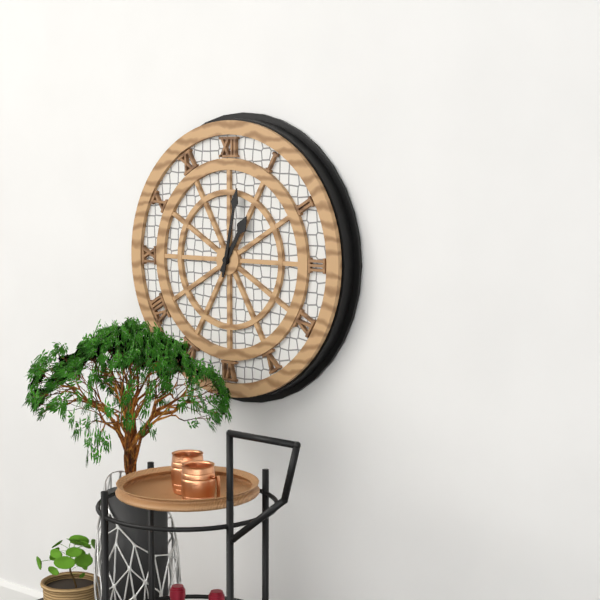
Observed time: 1:02
